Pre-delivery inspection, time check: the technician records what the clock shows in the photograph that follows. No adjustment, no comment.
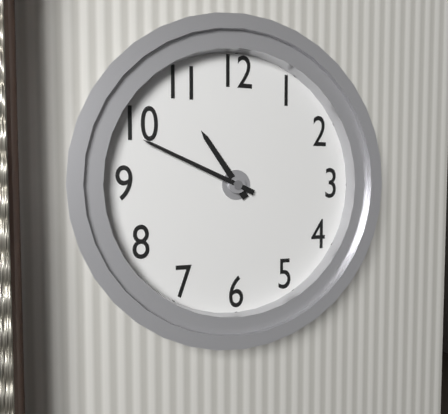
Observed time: 10:49
